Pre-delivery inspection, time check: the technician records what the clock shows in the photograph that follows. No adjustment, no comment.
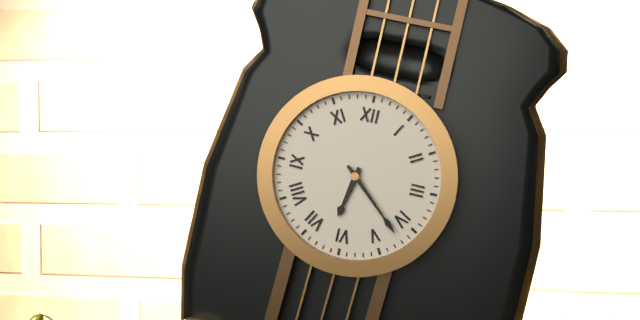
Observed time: 6:22
